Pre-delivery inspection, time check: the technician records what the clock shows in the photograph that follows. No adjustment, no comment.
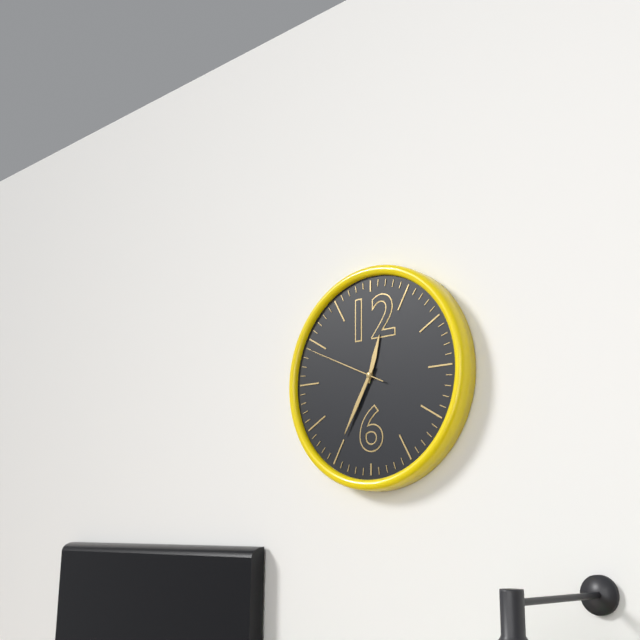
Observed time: 12:35:49
